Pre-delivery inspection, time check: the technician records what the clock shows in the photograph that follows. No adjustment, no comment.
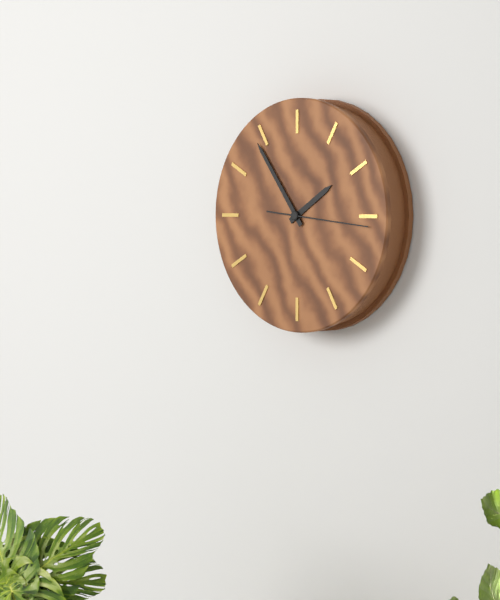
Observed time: 1:54:16
